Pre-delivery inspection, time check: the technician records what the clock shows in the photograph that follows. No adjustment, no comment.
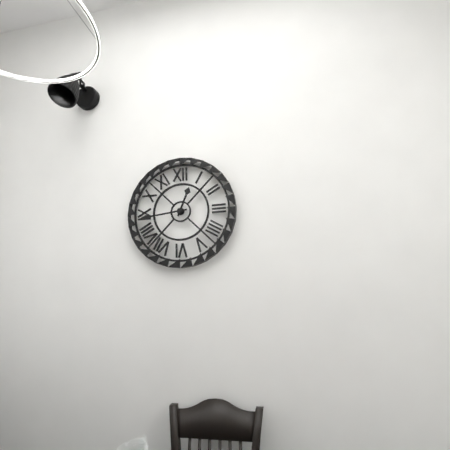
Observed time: 12:44
